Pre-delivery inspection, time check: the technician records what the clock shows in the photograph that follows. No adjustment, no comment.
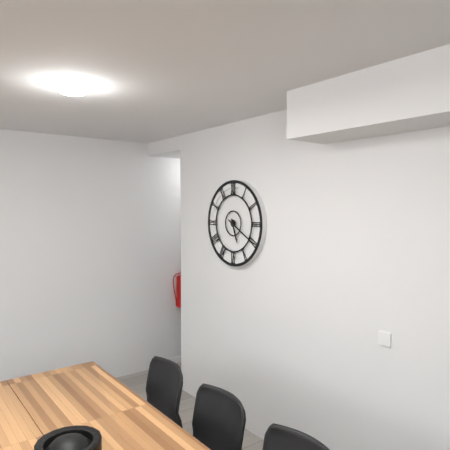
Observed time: 5:20
